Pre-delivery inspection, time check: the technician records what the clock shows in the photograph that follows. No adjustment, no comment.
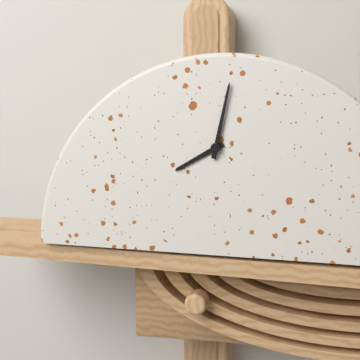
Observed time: 8:02
